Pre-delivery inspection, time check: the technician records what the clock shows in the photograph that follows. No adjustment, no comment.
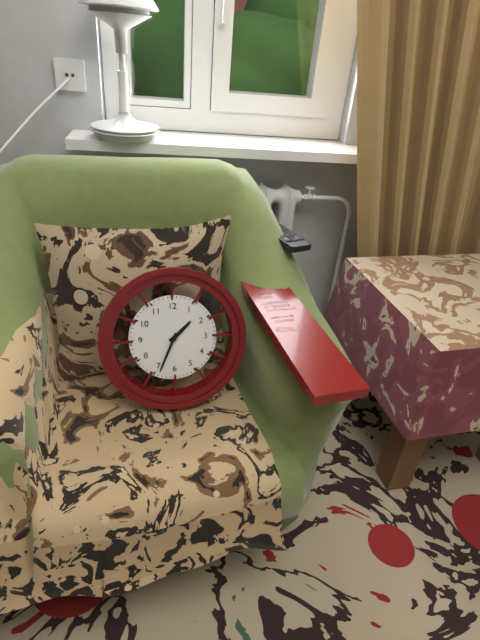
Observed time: 1:34
